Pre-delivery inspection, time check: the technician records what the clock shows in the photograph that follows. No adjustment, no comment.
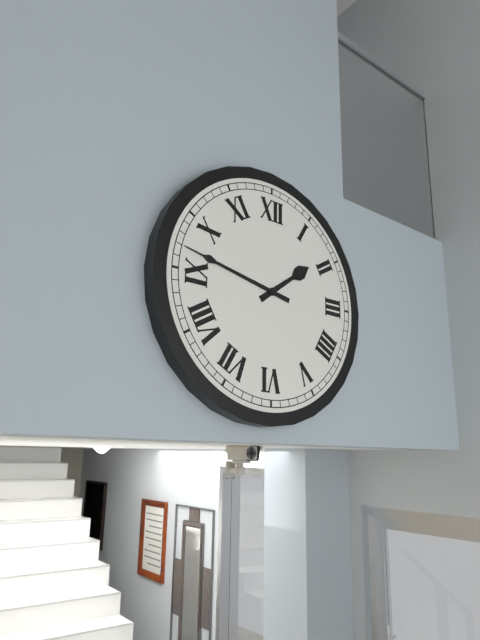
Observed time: 1:47
